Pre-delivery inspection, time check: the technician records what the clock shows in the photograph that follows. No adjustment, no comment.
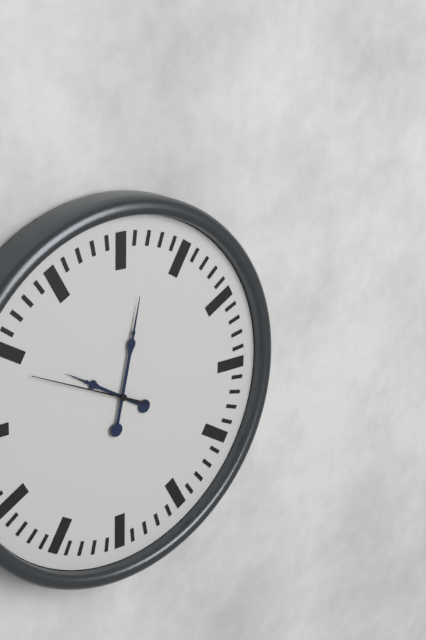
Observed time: 10:02:49
